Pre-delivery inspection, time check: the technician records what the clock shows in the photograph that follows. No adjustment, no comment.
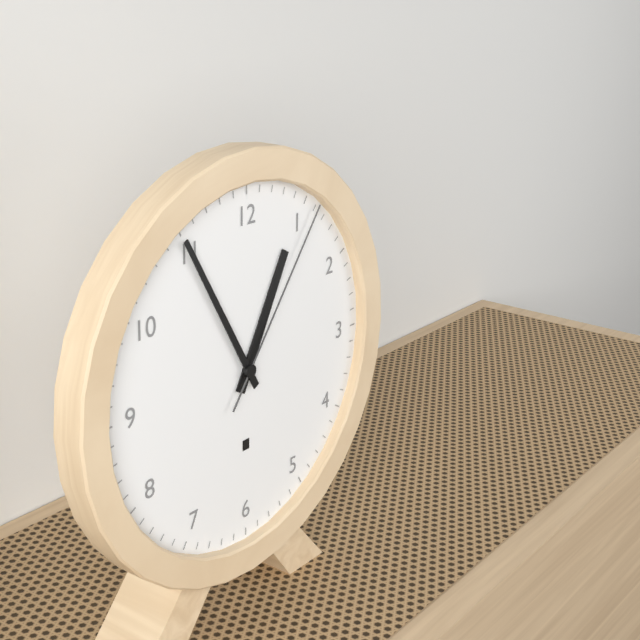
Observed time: 12:55:06
